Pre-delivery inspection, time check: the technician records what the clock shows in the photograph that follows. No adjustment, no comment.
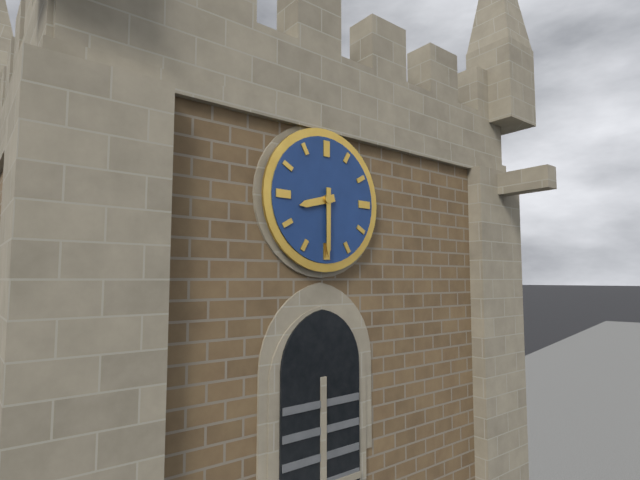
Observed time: 8:30
